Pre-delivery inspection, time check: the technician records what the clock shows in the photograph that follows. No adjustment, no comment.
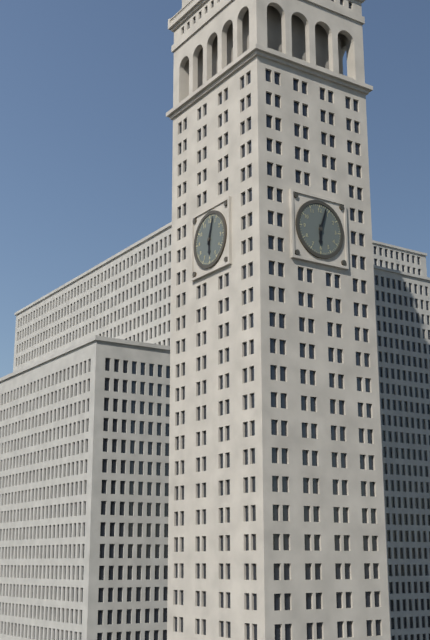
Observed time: 6:03
